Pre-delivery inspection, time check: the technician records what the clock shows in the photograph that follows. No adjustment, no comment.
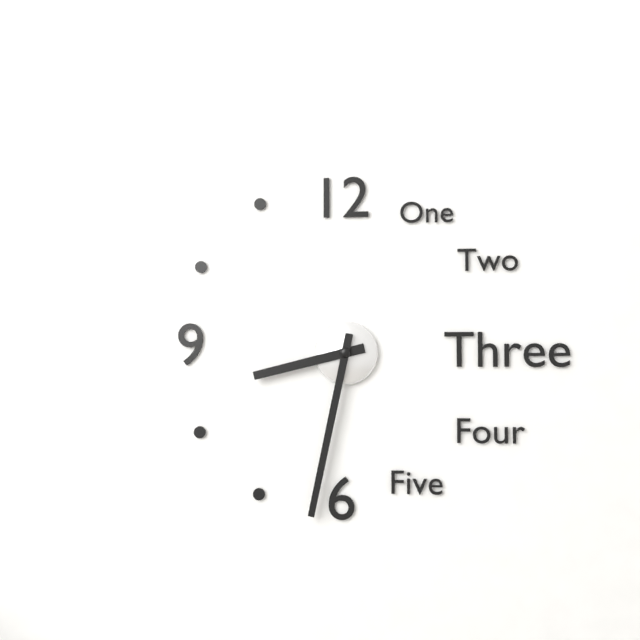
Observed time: 8:32
